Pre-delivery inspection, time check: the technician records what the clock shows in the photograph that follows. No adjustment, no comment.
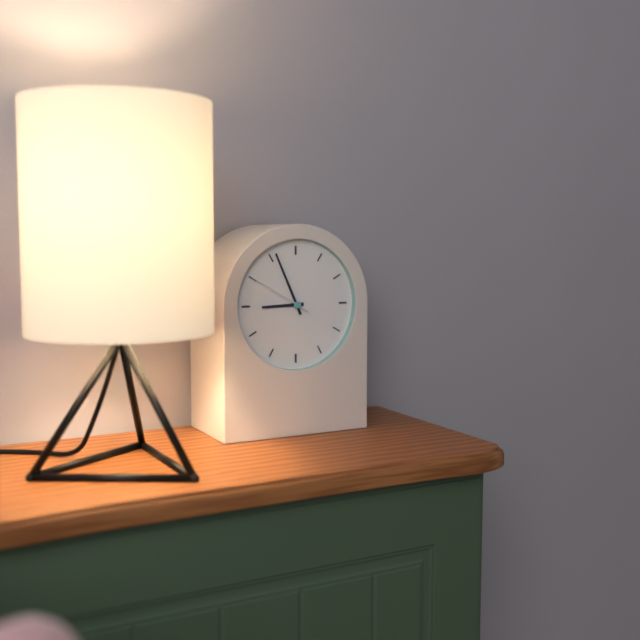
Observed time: 8:56:50
